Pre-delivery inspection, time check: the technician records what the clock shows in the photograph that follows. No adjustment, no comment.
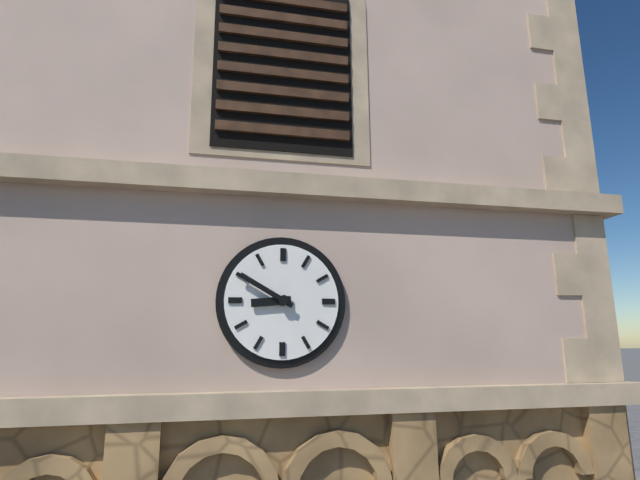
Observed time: 8:50
